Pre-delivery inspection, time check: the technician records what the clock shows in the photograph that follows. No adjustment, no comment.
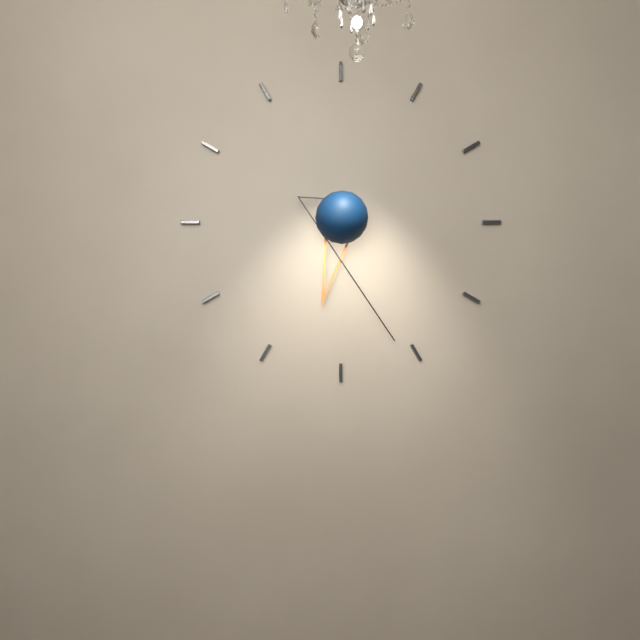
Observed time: 6:26
